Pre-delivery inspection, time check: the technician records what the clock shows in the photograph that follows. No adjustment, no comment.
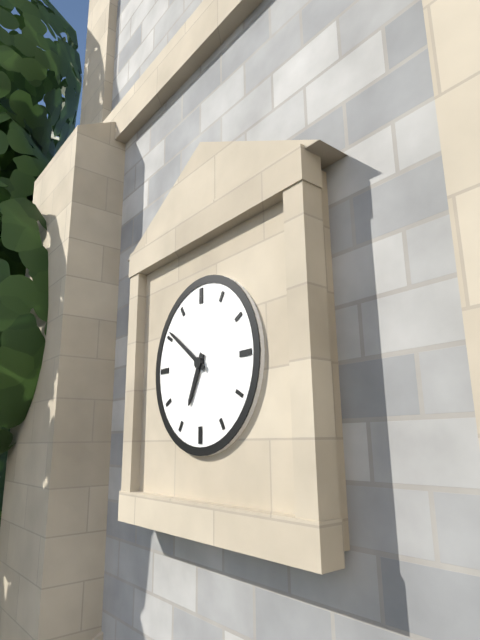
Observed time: 6:51
